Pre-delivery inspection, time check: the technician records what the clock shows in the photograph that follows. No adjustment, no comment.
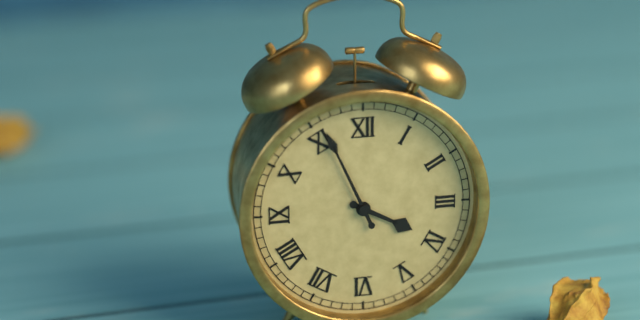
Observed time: 3:56
